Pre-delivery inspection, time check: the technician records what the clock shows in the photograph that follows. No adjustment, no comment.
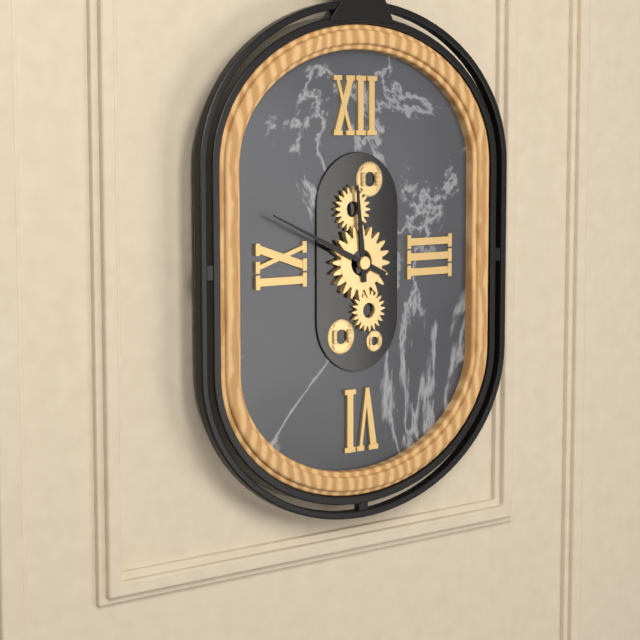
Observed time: 11:49
